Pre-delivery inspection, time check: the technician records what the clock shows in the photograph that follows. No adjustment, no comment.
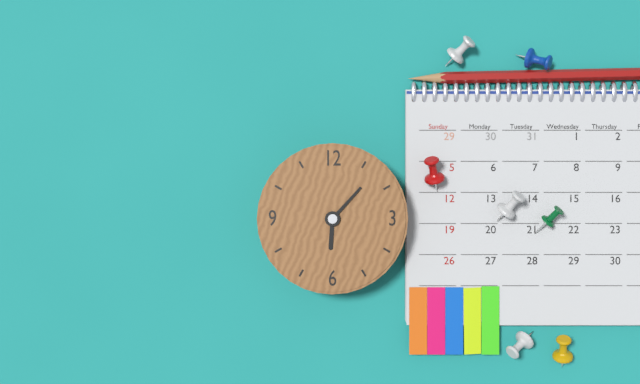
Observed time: 6:07
